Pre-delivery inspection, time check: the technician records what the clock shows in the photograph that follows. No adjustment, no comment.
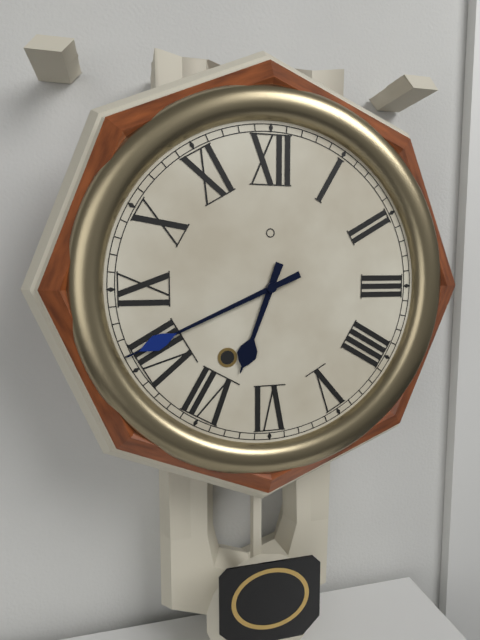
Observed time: 6:41
